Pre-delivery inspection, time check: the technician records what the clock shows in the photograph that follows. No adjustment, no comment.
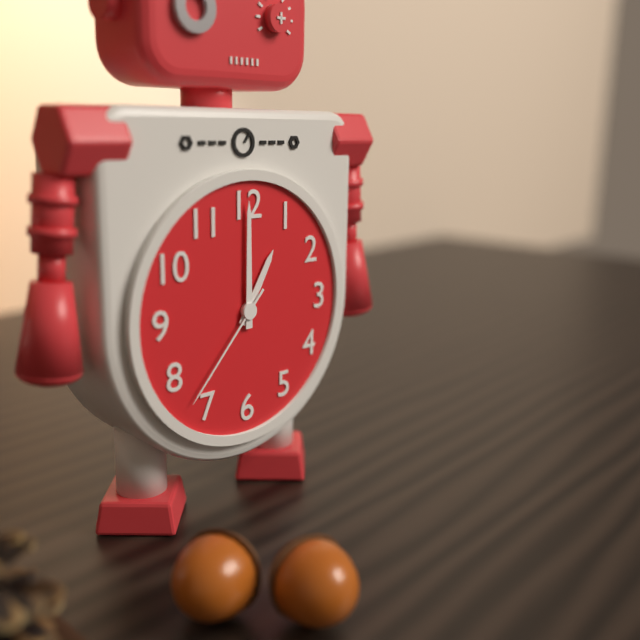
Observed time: 1:00:37
